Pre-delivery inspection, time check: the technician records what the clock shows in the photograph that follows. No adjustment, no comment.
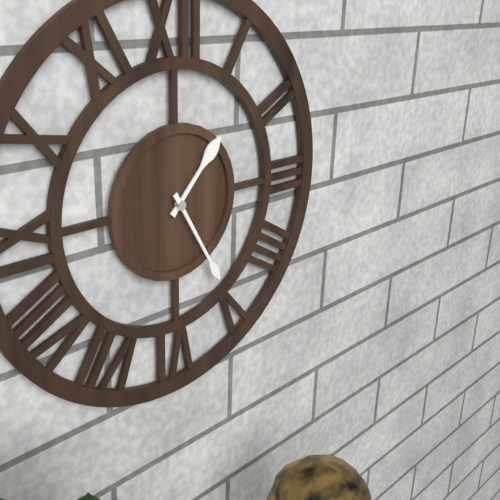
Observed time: 1:25
